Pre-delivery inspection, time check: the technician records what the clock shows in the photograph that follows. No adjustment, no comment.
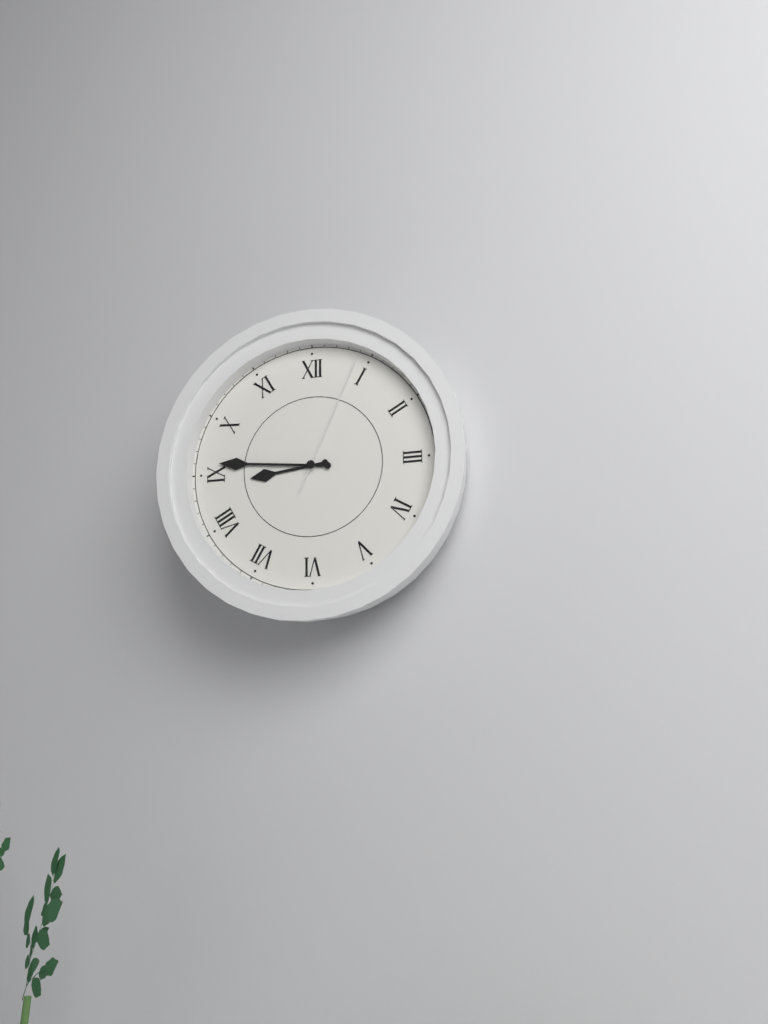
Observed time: 8:46:04
